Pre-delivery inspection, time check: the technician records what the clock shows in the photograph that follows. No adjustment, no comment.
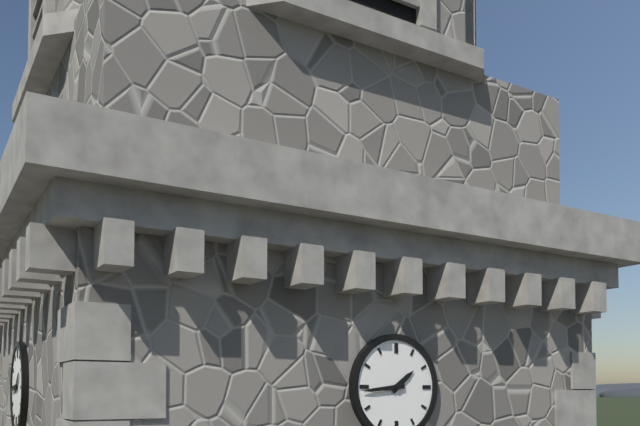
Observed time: 1:44
